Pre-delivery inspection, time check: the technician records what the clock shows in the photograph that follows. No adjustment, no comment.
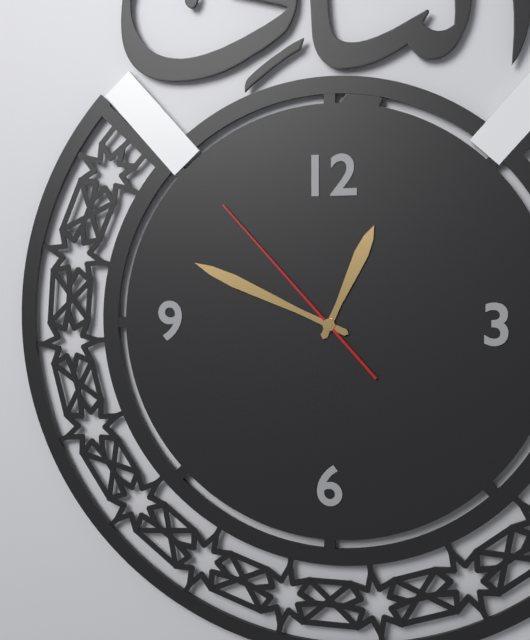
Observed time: 12:49:53
